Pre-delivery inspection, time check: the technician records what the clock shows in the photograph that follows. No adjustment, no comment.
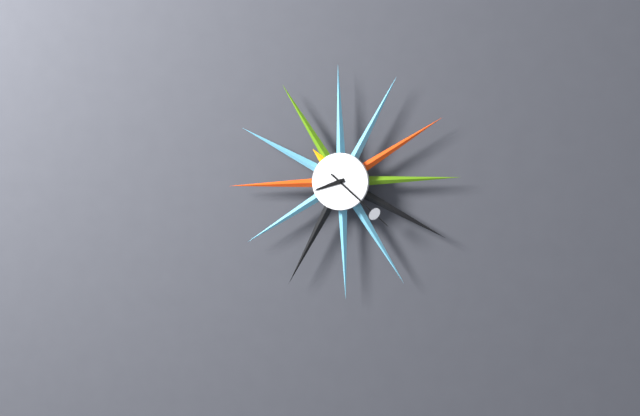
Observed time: 8:22
